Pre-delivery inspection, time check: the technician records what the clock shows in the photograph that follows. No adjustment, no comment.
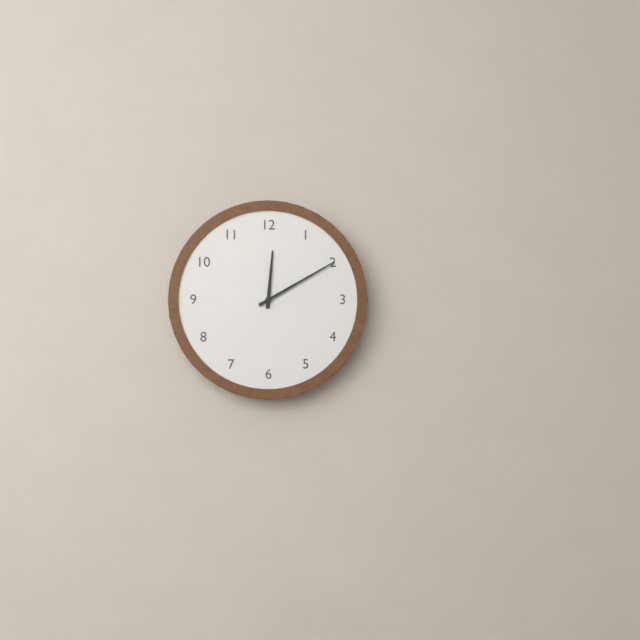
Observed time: 12:10
